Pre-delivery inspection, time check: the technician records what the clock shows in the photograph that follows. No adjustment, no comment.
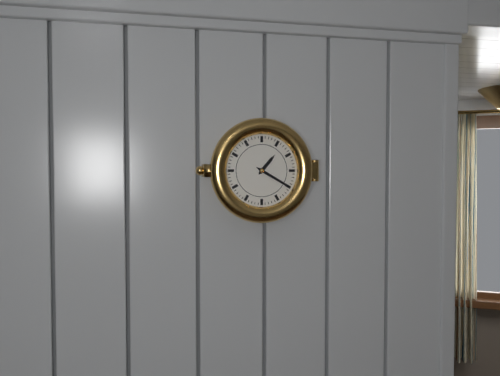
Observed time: 1:20
